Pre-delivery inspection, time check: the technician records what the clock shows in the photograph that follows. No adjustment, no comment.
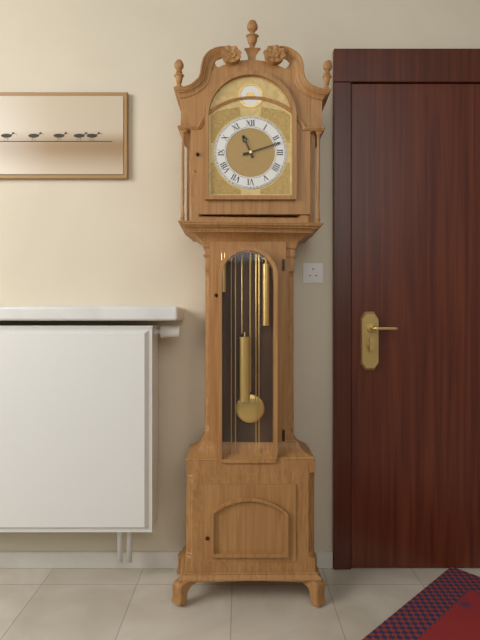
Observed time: 11:12
